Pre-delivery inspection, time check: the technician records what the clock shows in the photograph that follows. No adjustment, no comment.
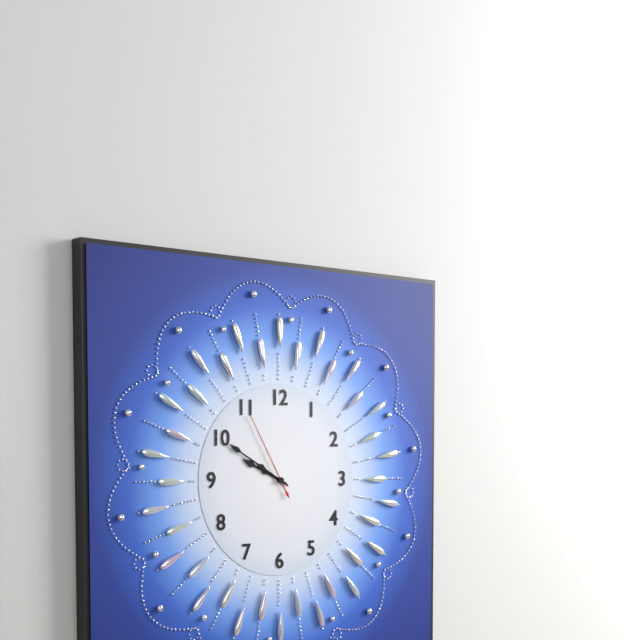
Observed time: 9:50:55
